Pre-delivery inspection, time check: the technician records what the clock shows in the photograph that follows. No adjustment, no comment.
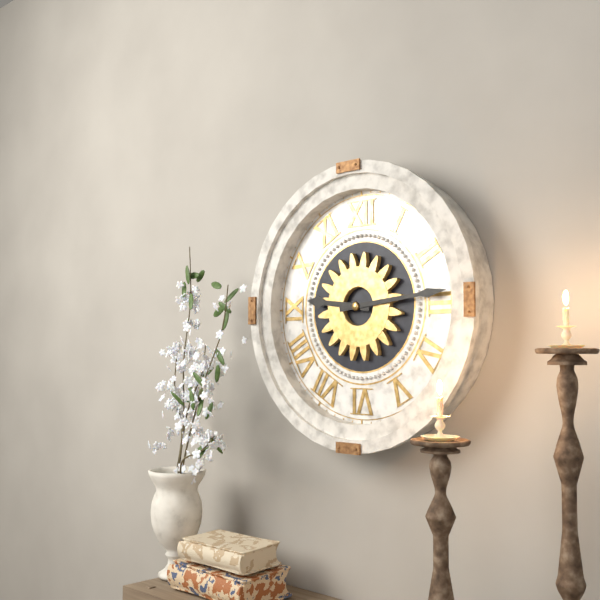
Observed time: 9:14
